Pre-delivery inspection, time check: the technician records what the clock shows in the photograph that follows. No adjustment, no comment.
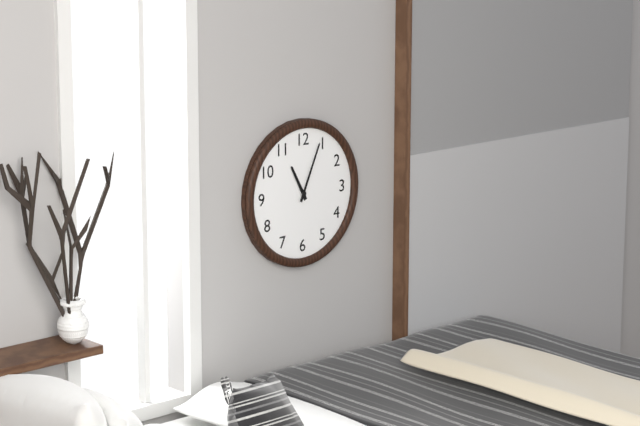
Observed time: 11:04
